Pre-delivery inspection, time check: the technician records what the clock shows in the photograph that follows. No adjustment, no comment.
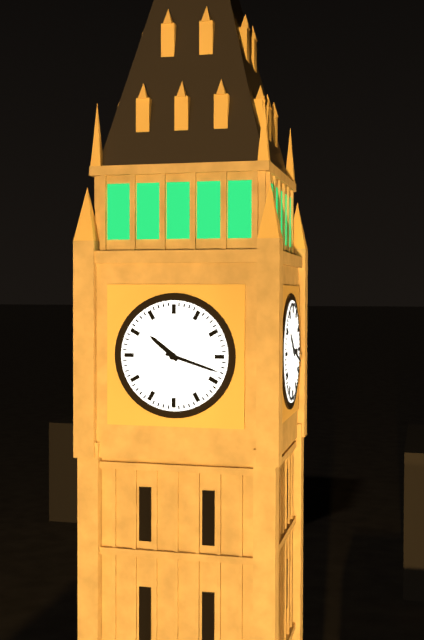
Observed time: 10:18
